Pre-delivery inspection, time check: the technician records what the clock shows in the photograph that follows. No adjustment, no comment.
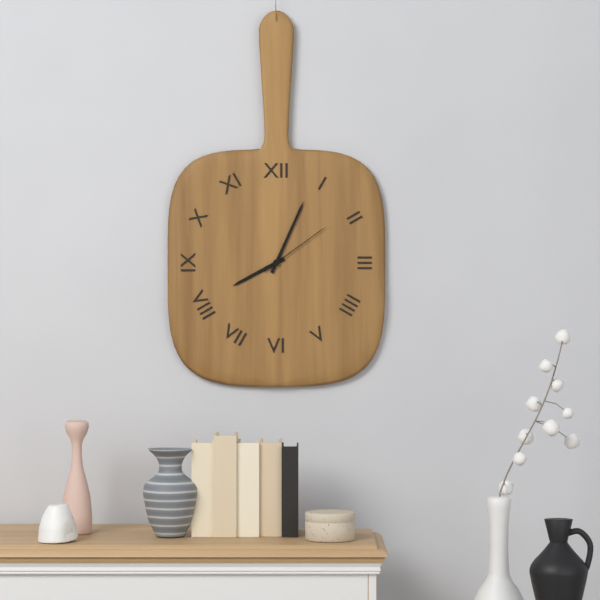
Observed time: 8:04:09
